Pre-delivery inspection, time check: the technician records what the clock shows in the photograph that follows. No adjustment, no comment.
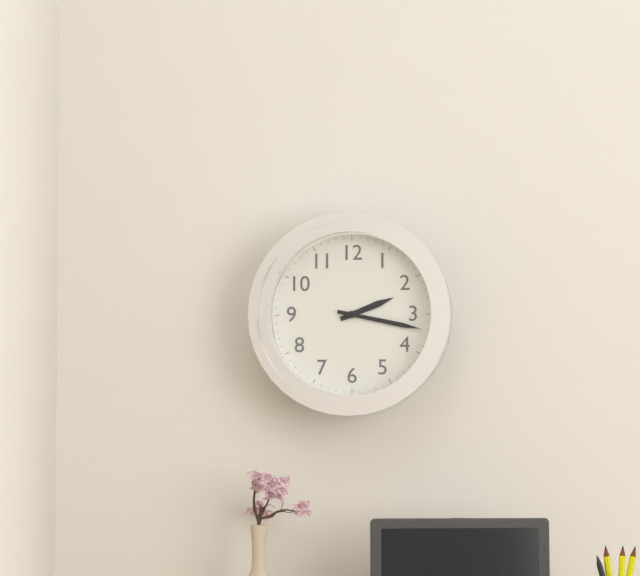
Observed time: 2:17
